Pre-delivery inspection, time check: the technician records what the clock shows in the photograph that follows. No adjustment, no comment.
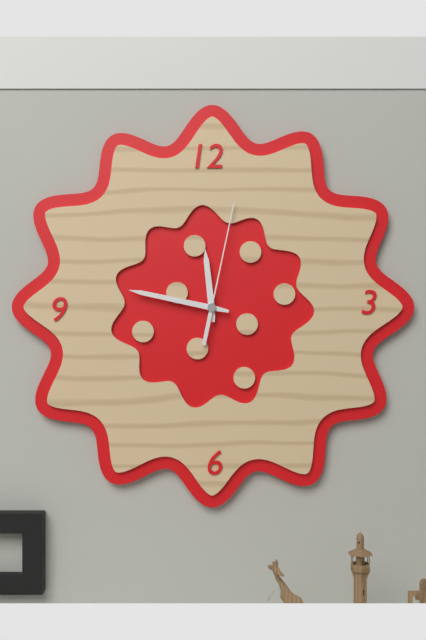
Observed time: 11:47:02
